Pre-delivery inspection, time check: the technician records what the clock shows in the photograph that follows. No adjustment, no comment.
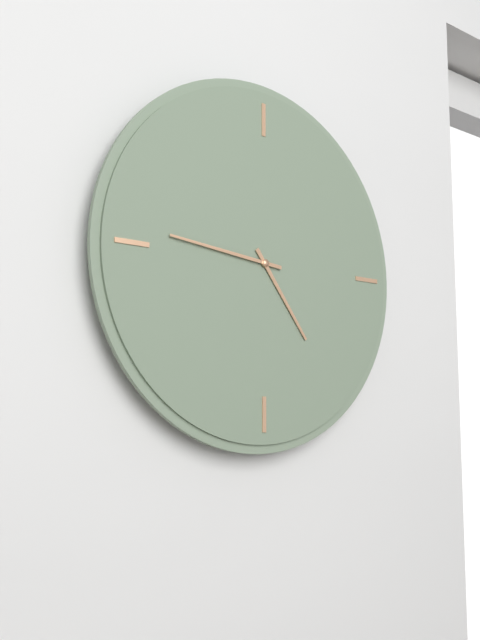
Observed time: 4:46
